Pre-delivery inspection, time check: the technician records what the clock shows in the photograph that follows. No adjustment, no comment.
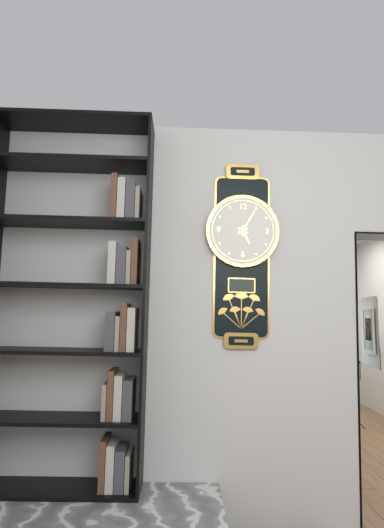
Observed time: 5:05
